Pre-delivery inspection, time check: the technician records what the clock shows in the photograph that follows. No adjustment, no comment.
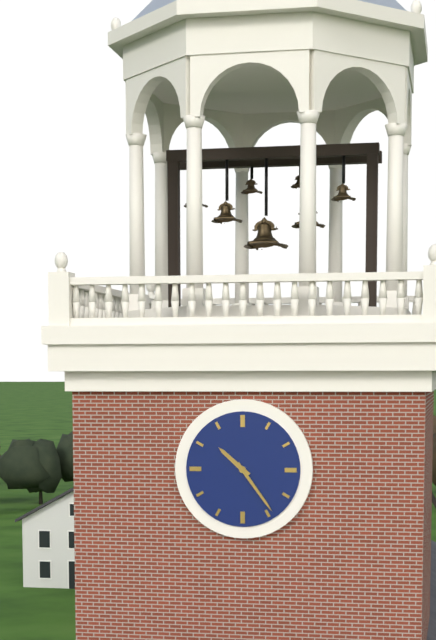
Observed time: 10:24
